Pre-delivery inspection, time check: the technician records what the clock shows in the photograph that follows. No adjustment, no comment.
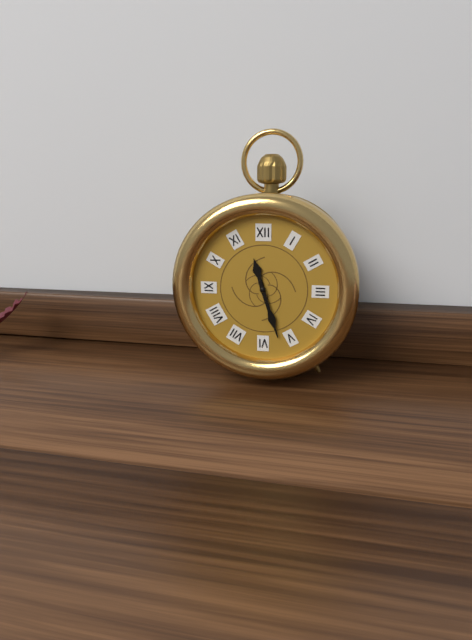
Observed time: 11:27
